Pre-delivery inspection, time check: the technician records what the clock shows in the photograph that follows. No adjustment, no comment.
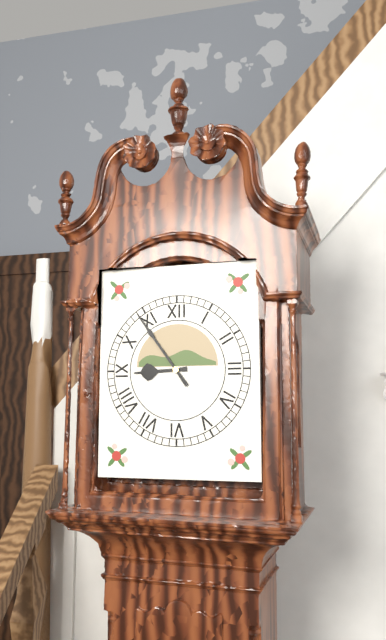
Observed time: 8:54
